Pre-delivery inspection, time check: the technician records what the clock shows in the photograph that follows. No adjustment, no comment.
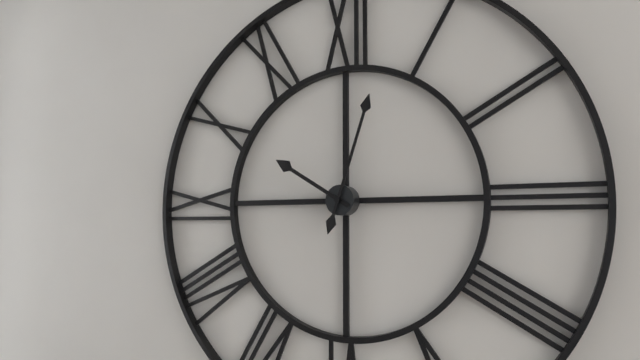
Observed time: 10:03
